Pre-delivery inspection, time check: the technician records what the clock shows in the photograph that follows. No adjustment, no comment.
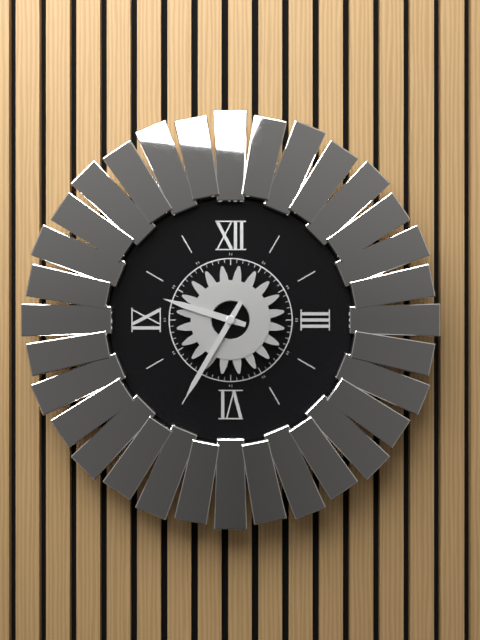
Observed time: 9:35
